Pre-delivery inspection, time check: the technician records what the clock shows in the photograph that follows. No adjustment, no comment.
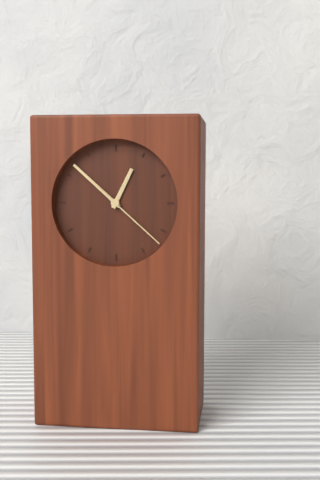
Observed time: 12:52:22
